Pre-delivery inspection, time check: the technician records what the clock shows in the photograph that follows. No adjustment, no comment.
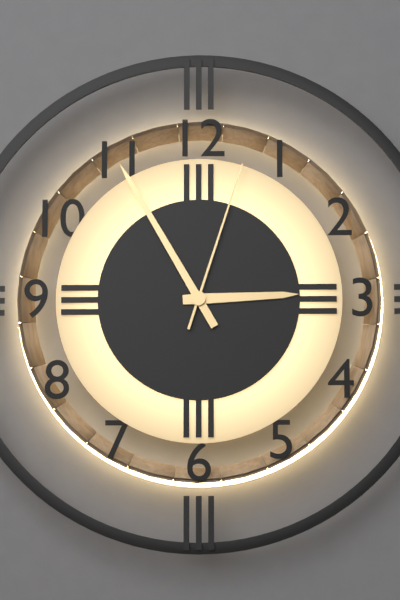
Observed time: 2:55:03
